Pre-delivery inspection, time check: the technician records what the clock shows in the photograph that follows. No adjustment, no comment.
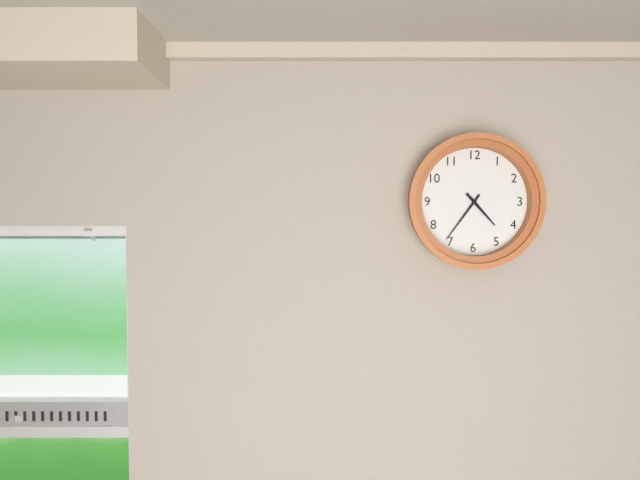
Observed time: 4:36
